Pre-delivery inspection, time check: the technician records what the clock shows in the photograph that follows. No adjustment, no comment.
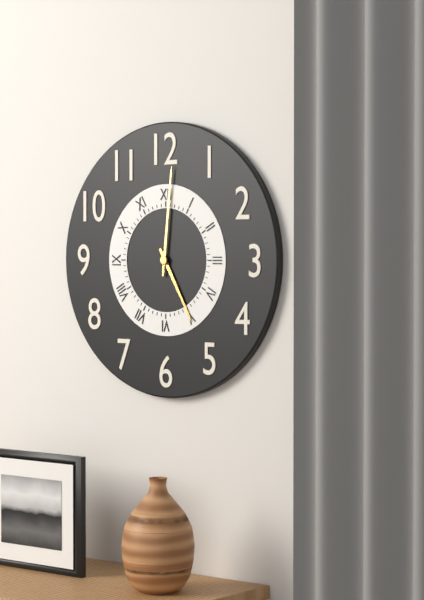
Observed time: 5:01
